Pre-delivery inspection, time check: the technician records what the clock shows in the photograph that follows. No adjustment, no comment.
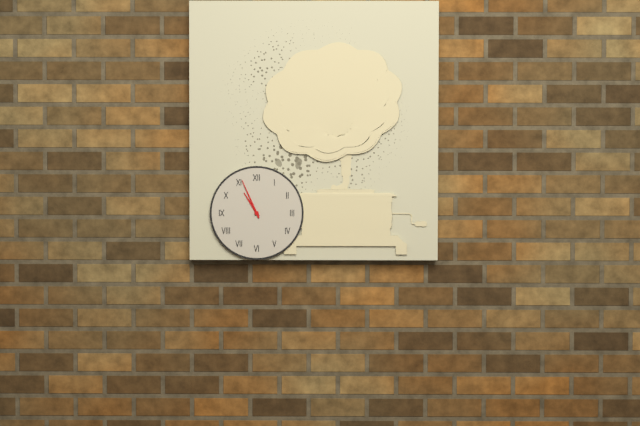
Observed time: 10:56
